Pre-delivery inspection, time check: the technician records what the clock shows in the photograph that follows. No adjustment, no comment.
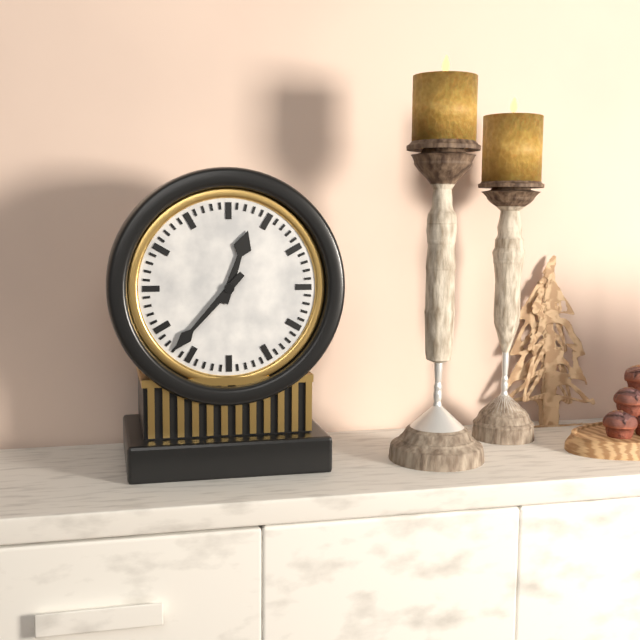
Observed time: 12:37
